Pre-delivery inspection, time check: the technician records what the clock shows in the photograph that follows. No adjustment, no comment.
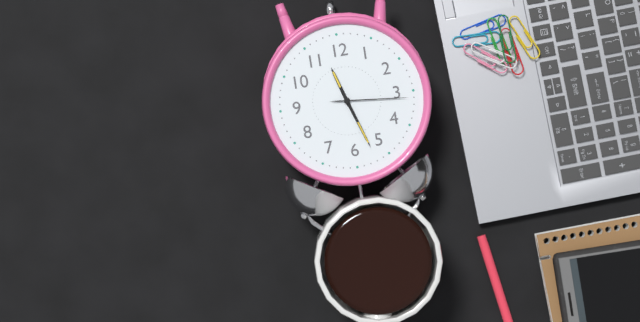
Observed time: 11:27:16
